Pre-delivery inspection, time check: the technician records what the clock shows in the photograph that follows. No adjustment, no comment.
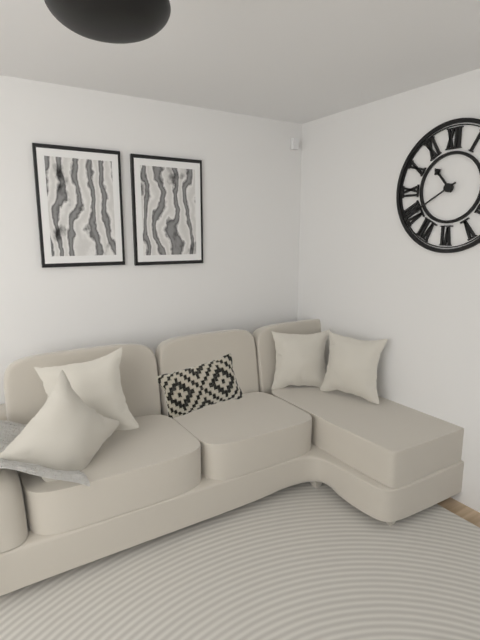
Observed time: 10:40
